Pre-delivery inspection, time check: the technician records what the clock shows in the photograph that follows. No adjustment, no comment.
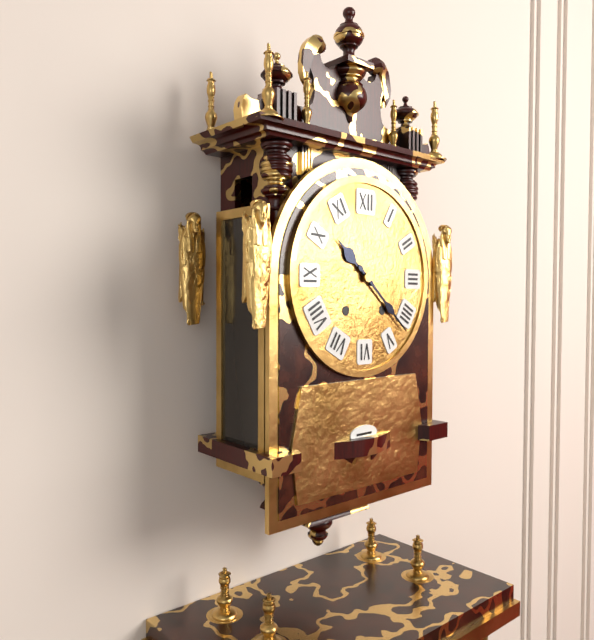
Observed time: 10:22
